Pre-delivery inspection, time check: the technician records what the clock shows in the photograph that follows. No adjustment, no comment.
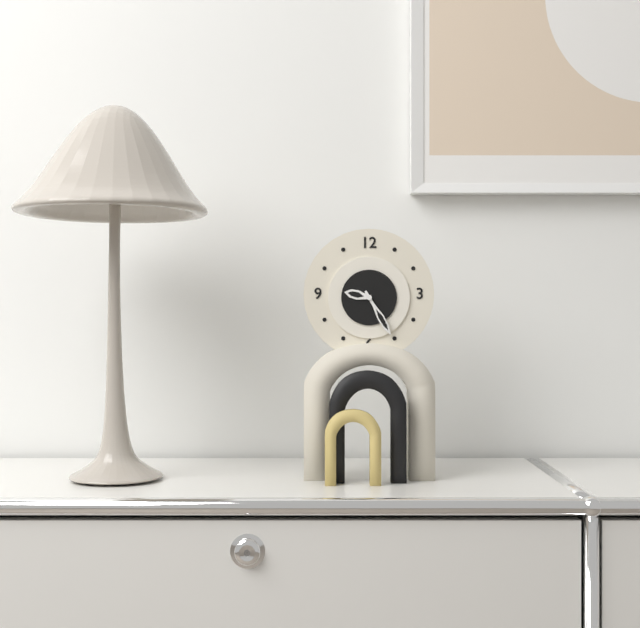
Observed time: 9:25
